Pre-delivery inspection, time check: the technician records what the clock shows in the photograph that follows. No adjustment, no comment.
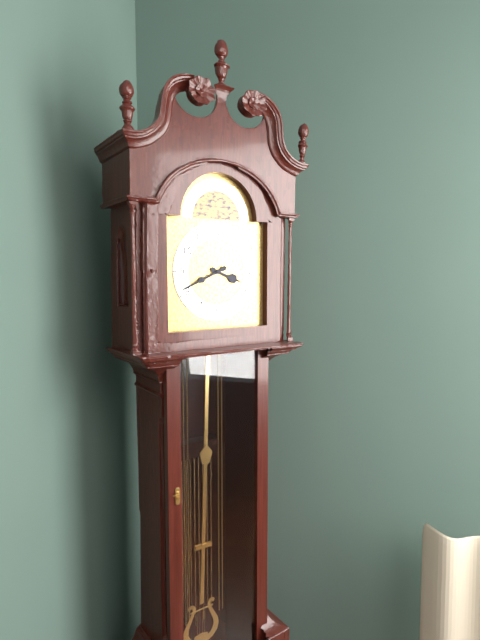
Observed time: 3:41
